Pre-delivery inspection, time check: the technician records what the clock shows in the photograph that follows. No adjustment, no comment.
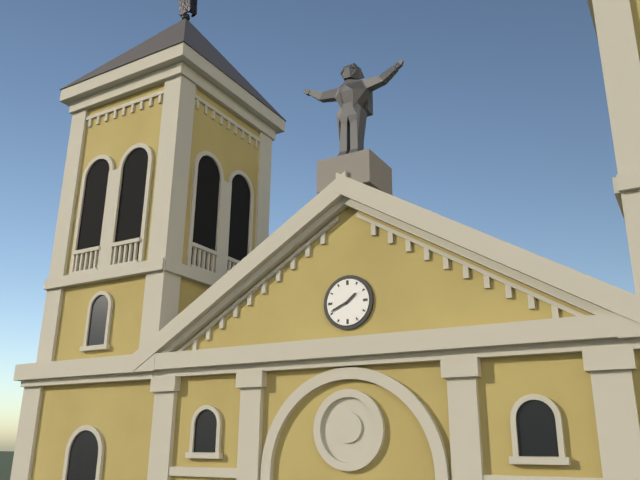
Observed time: 1:41
